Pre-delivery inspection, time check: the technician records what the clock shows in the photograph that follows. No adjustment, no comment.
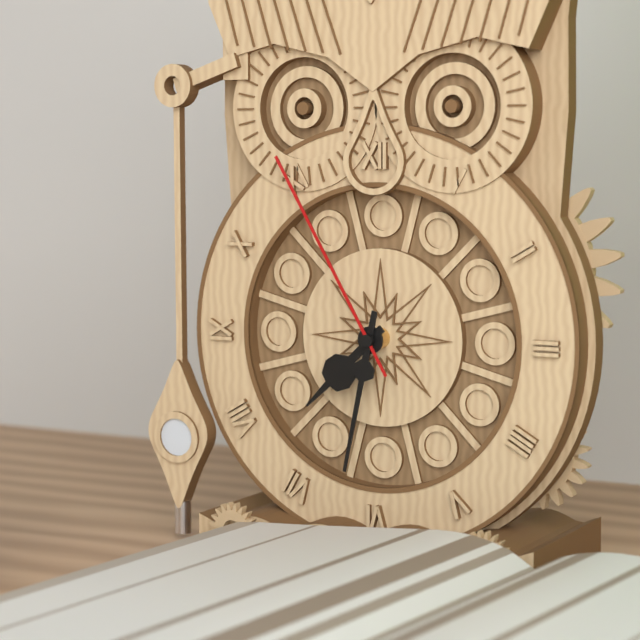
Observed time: 7:32:55
